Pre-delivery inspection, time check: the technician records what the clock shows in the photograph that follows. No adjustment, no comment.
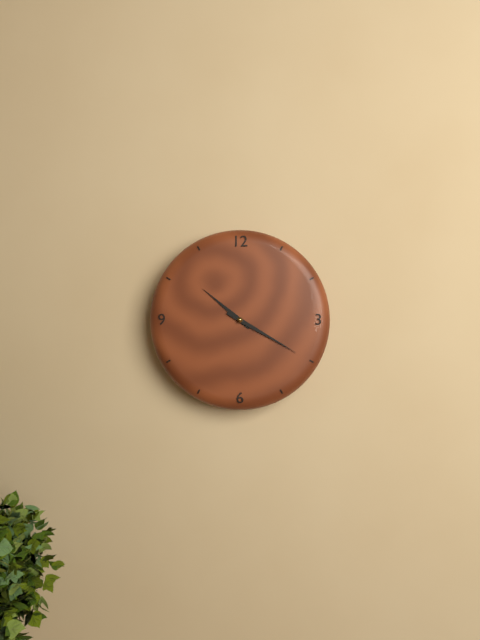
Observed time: 10:20
